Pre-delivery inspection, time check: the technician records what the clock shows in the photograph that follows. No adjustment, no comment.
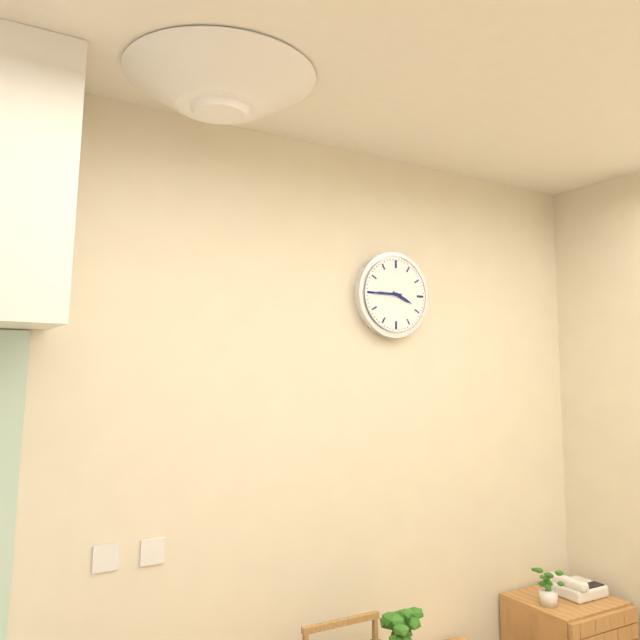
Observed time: 3:45
